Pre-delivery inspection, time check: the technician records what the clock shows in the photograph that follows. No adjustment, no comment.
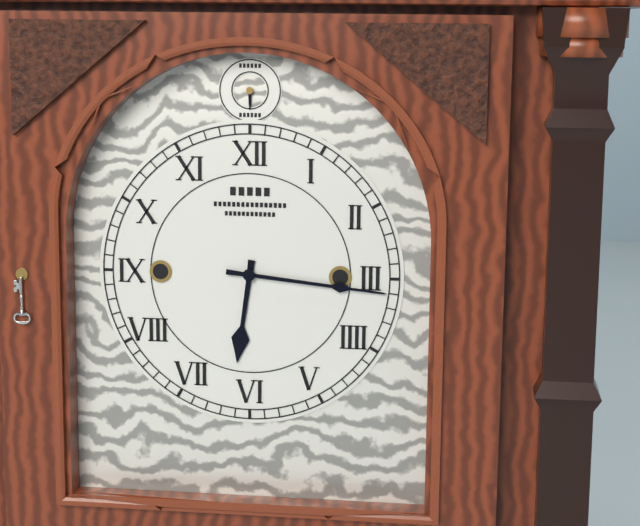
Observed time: 6:16
